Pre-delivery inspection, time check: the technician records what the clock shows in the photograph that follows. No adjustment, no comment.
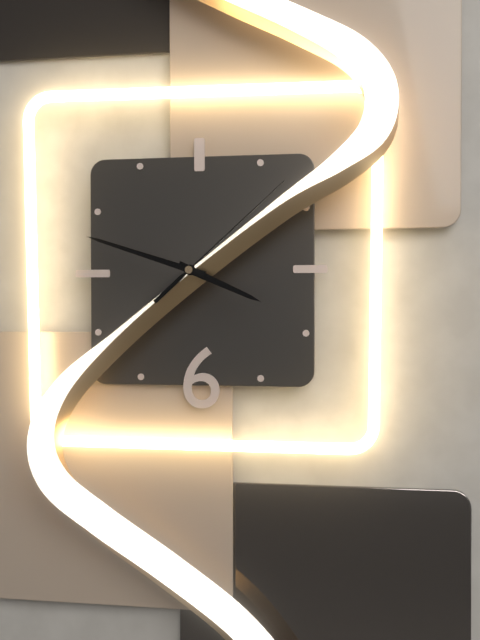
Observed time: 3:48:08
